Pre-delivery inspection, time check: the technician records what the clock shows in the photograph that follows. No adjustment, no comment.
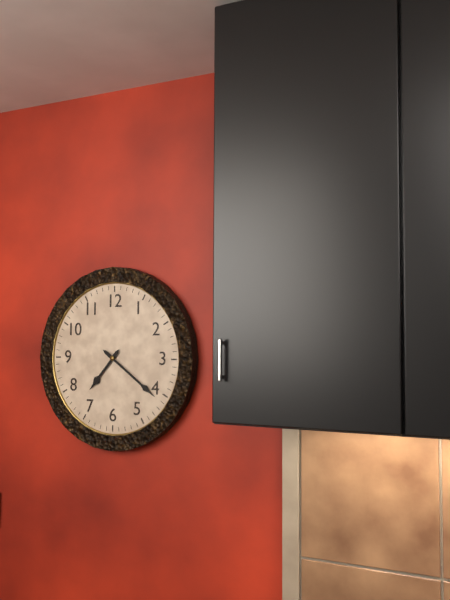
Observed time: 7:21
